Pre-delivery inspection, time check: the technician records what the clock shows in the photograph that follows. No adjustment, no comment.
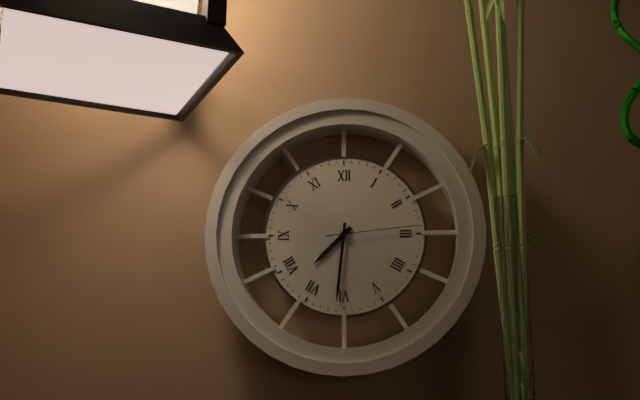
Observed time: 7:31:14
